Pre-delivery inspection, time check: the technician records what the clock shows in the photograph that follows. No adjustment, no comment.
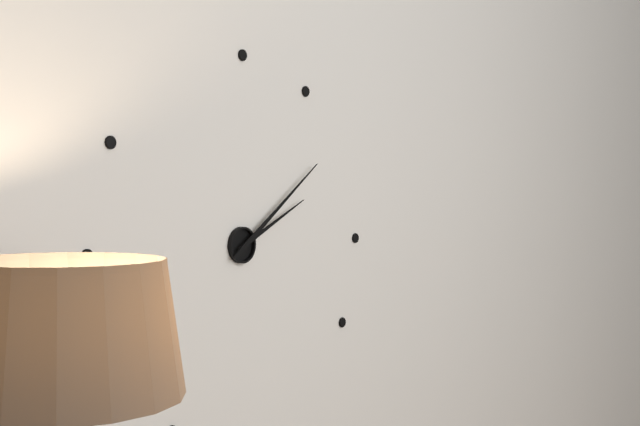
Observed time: 2:09
